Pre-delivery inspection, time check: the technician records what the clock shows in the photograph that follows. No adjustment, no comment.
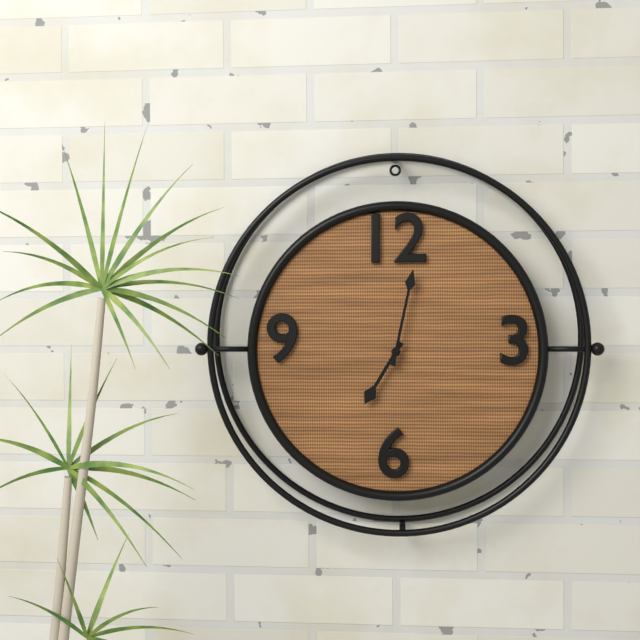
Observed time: 7:02
